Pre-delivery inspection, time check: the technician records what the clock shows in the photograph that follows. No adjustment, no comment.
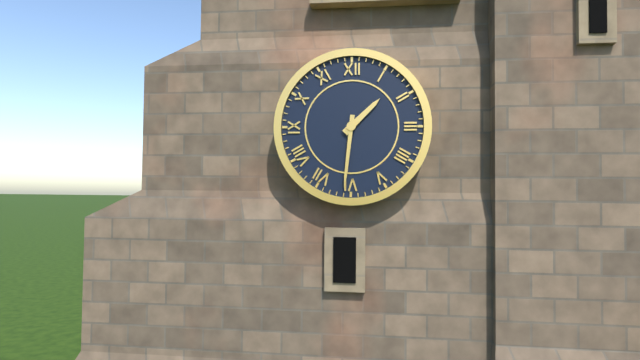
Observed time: 1:31
